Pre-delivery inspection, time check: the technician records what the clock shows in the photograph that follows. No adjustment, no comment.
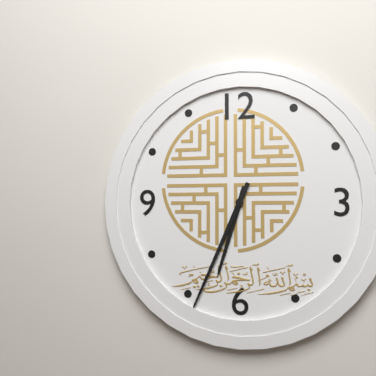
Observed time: 6:34
